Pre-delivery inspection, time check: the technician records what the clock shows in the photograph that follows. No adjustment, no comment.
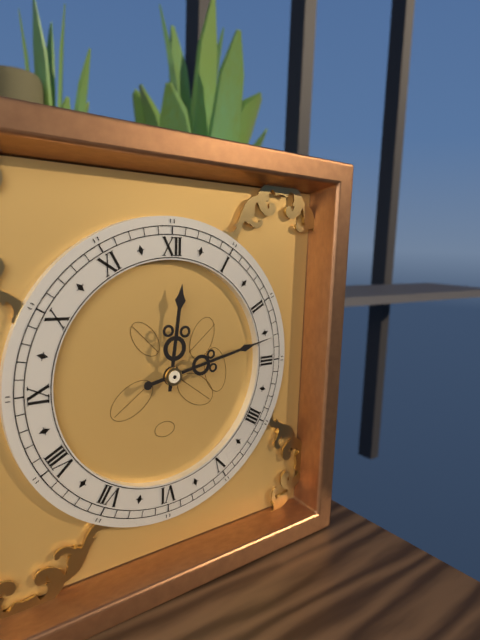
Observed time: 12:13
